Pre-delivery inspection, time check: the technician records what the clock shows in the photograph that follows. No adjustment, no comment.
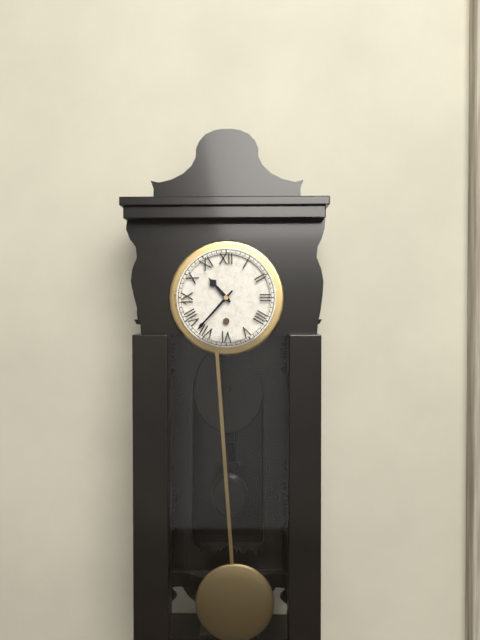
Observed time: 10:37
